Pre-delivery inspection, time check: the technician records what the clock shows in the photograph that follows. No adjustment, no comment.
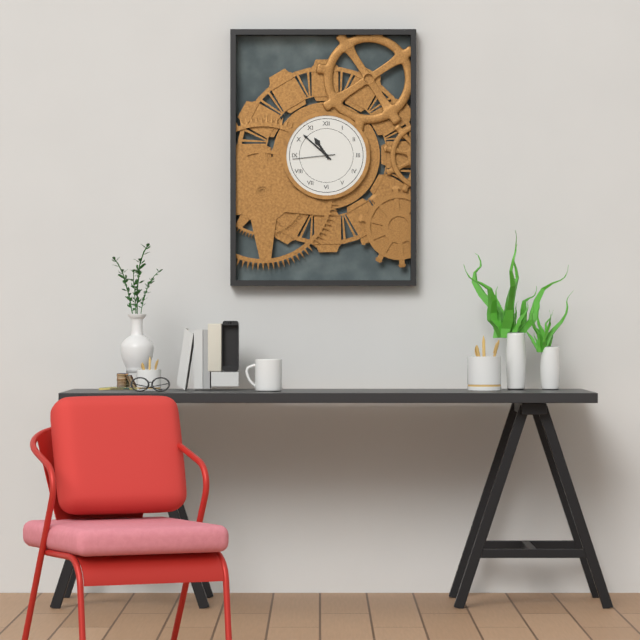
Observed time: 10:52
